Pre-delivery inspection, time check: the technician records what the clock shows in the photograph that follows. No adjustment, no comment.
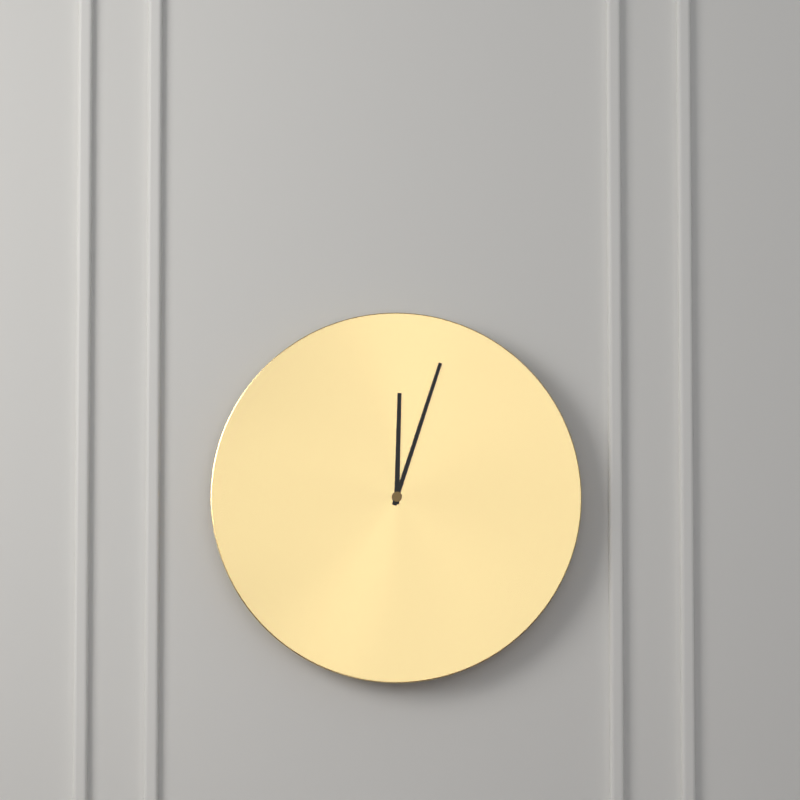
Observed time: 12:03
